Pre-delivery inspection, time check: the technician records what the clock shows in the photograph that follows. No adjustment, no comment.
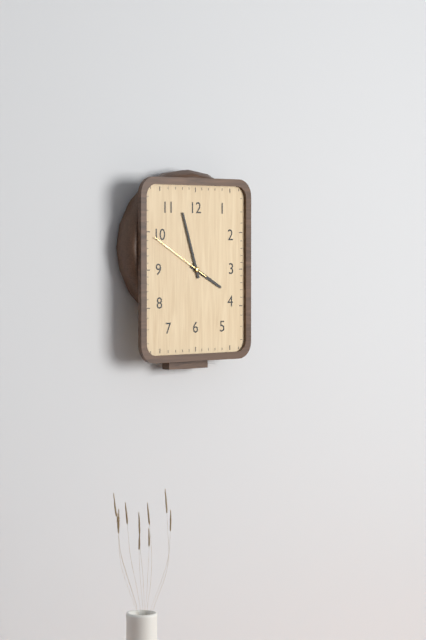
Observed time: 3:57:50
